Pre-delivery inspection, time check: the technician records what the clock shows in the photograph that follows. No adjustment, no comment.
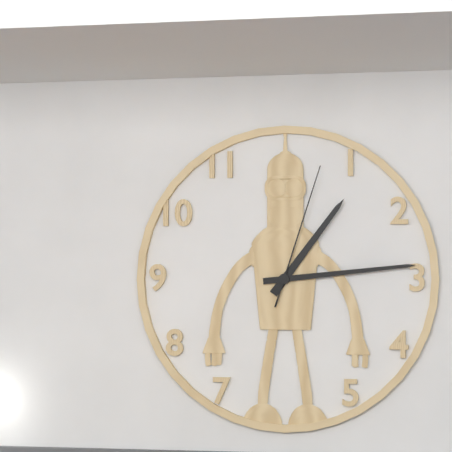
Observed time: 1:14:03
